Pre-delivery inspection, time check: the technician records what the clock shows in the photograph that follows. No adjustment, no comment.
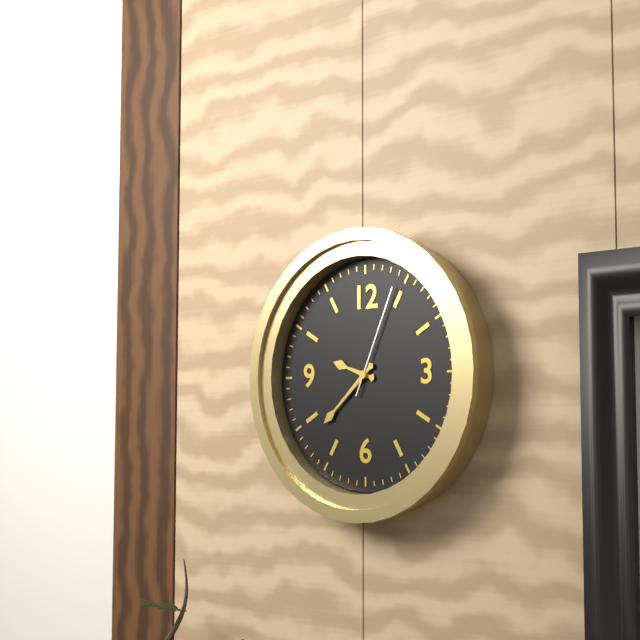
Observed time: 9:38:04
